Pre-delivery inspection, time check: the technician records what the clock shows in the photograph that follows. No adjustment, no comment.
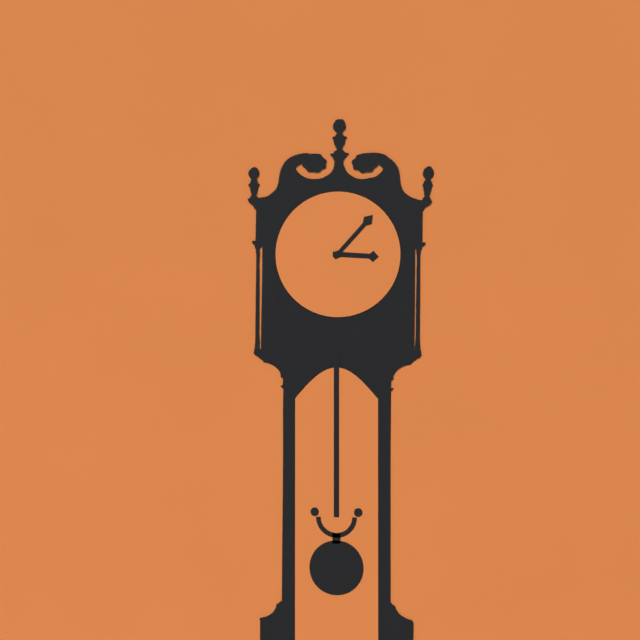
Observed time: 3:07
